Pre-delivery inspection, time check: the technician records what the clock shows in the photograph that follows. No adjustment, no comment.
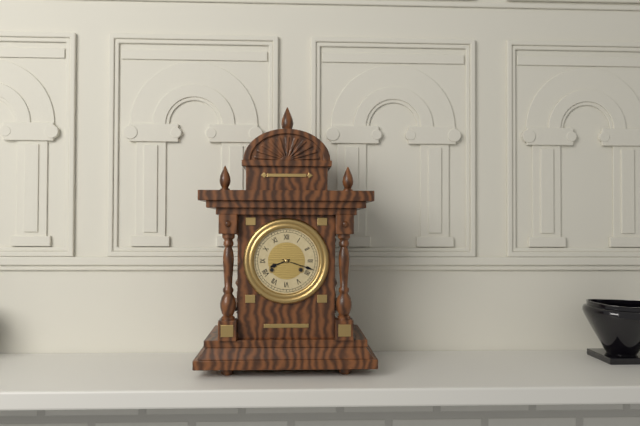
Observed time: 8:18
